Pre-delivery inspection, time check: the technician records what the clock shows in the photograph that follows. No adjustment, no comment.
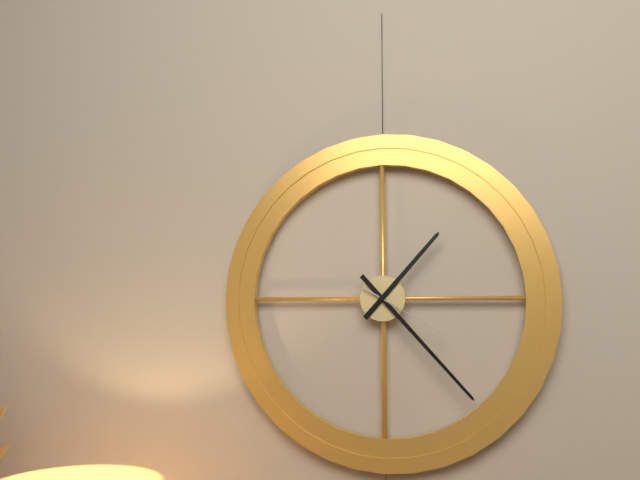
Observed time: 1:23:20
